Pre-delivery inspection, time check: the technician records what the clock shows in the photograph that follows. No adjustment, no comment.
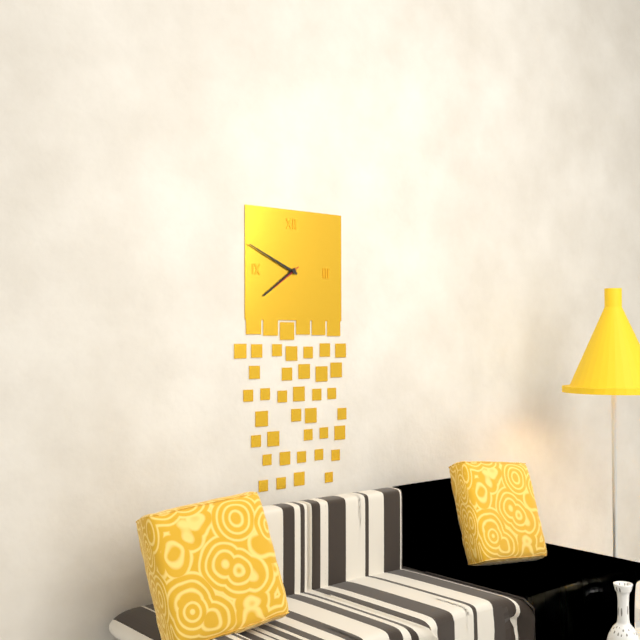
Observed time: 7:49
